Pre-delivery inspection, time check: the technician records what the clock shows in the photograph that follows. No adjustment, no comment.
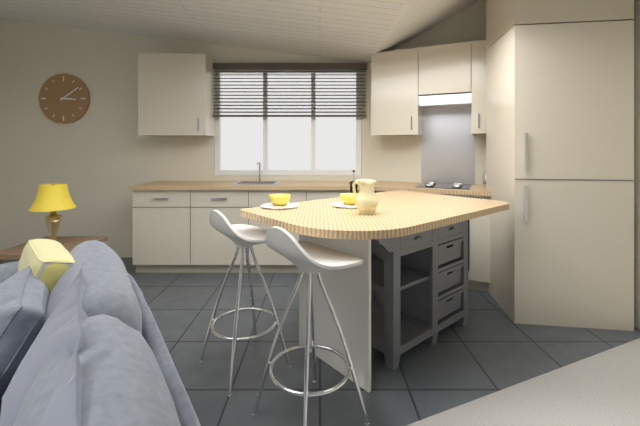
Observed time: 3:09
